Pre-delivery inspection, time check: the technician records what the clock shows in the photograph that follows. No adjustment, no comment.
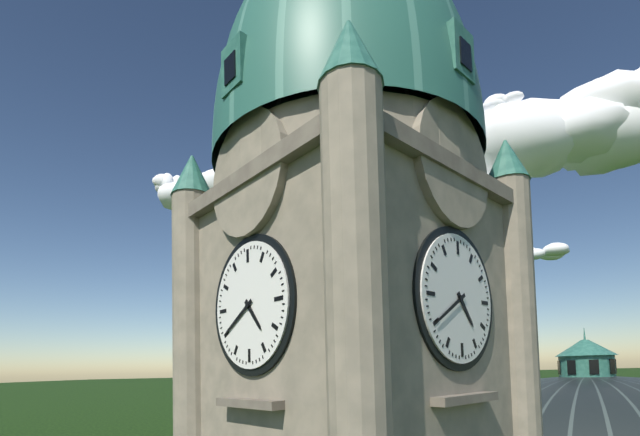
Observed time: 4:40
